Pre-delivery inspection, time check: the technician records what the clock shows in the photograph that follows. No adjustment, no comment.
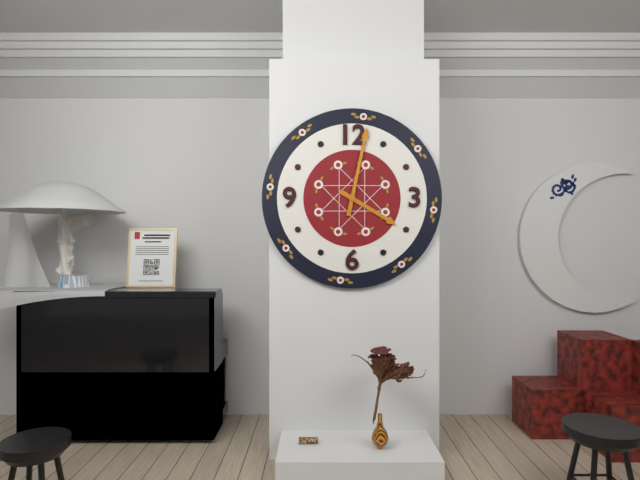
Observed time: 4:02
